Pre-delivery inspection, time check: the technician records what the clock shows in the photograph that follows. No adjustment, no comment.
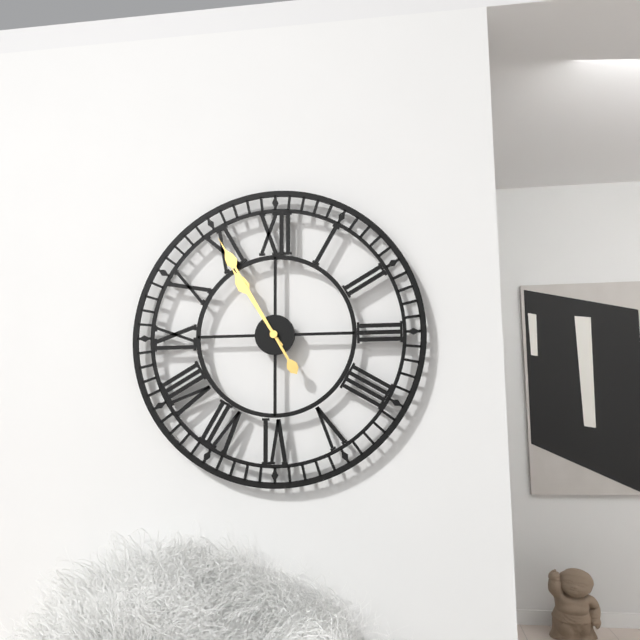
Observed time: 10:55
